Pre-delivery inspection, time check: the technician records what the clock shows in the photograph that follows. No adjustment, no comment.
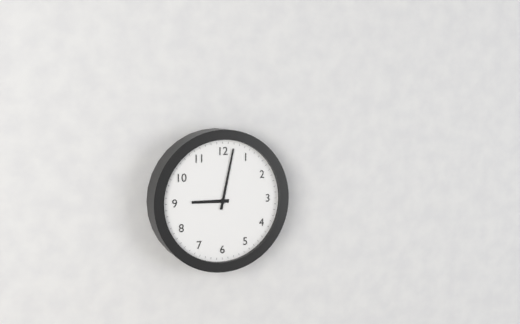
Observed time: 9:02
